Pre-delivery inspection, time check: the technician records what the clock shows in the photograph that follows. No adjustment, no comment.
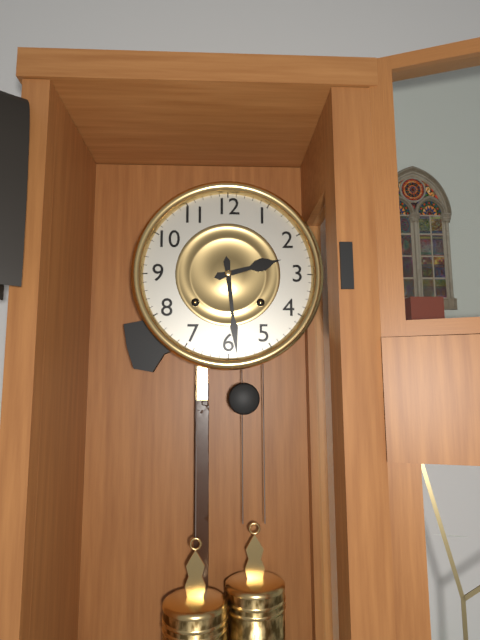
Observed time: 2:29
